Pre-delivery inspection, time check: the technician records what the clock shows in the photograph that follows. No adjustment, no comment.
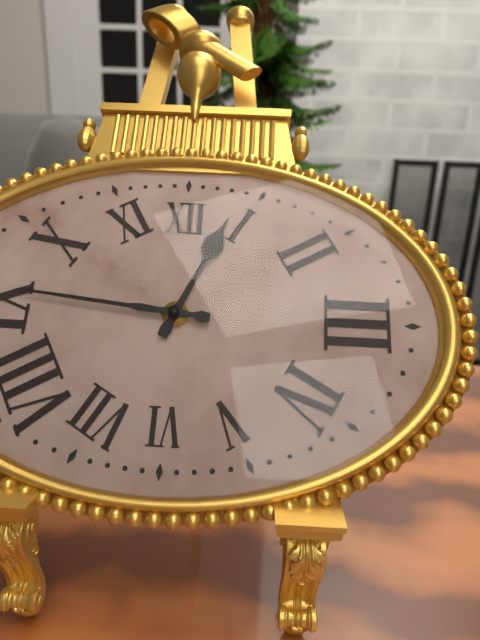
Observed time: 12:46
